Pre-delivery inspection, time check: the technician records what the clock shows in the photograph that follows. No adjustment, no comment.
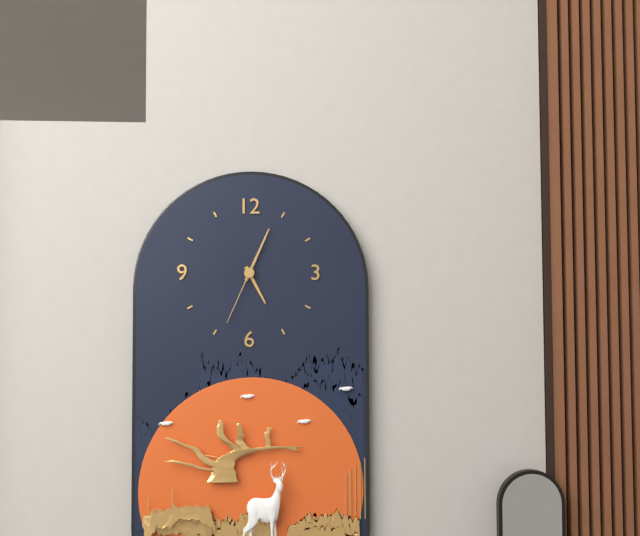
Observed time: 5:04:34
